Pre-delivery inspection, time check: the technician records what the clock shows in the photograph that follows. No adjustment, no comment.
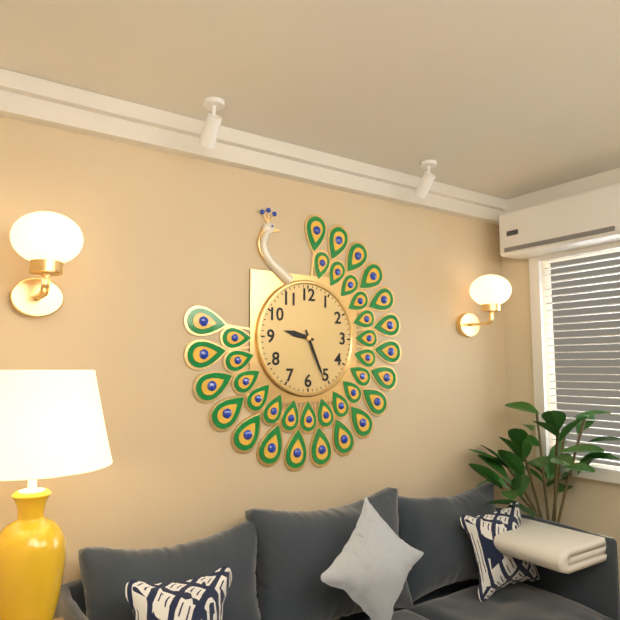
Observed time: 9:26
